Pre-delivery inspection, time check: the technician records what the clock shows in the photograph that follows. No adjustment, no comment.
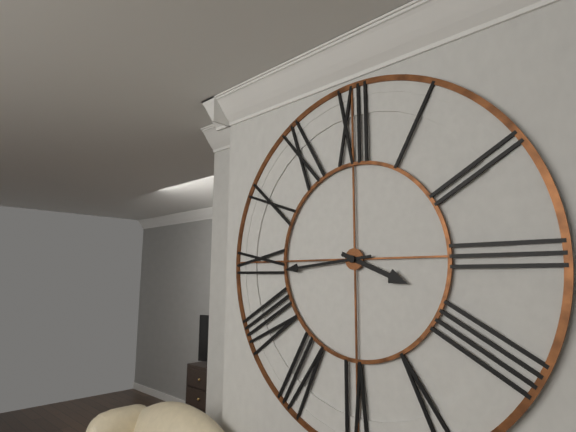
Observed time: 3:44
